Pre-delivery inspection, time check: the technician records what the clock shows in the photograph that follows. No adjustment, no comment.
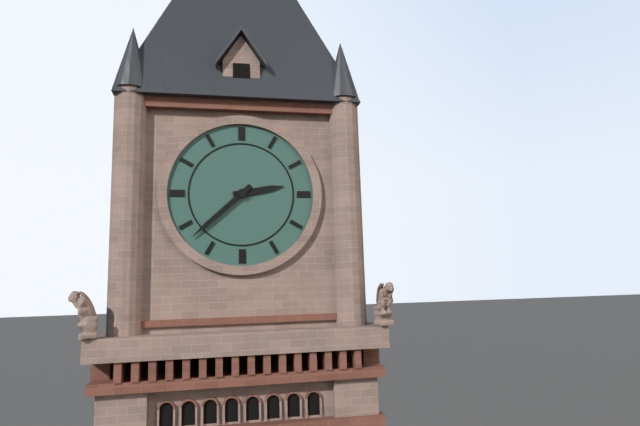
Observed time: 2:38
